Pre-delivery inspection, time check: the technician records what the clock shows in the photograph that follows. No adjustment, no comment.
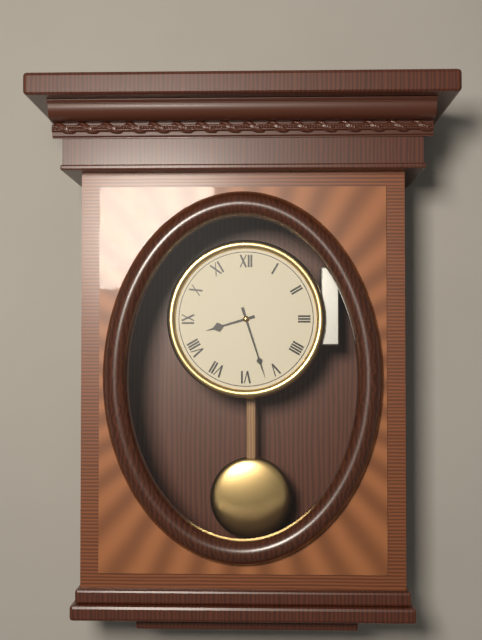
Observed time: 8:27
